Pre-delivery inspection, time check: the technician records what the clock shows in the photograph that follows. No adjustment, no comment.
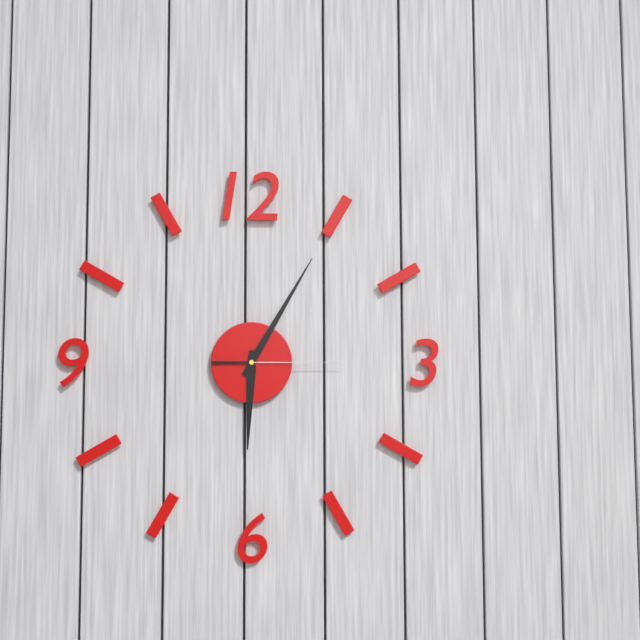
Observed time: 6:05:15
